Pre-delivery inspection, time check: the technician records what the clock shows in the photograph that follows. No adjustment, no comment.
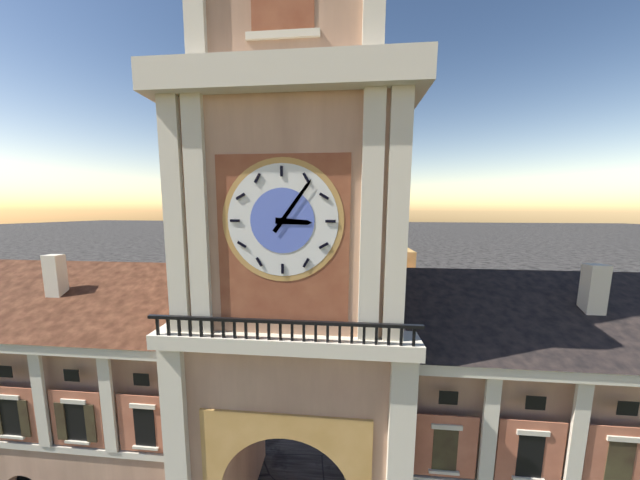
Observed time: 3:06
